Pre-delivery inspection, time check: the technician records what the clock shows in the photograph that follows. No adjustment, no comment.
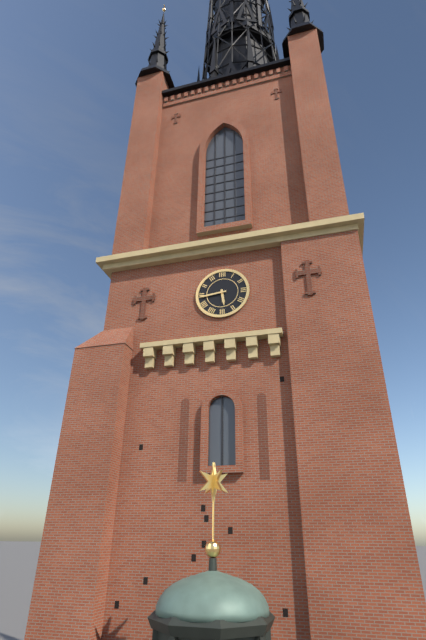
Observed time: 5:44
